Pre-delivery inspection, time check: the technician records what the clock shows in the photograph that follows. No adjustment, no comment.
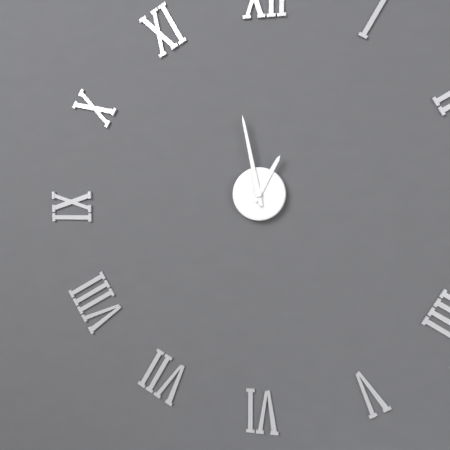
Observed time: 12:58
